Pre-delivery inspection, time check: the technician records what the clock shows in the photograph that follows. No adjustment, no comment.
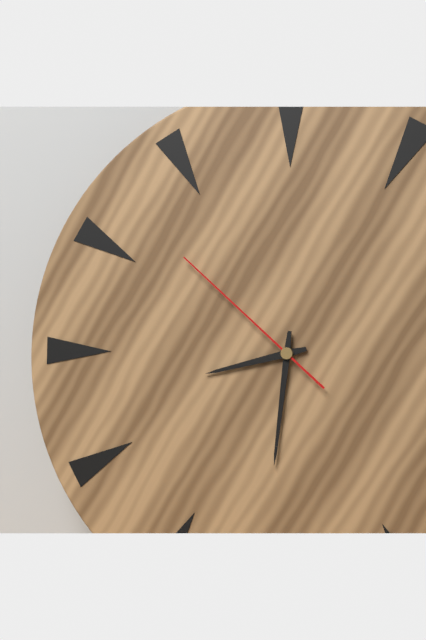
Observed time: 8:31:52
